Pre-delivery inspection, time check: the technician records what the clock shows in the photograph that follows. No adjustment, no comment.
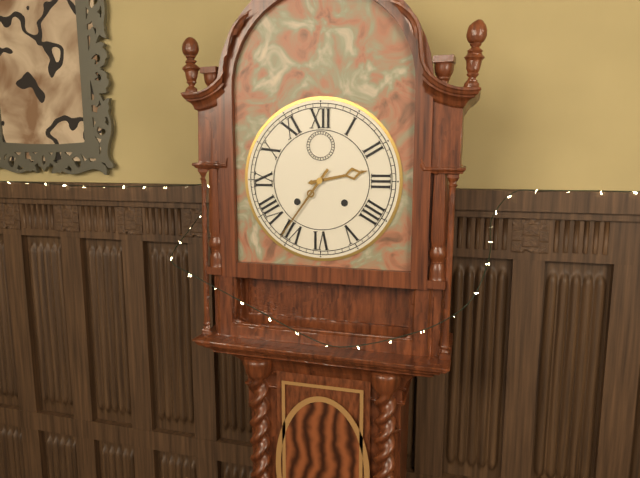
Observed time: 2:36
